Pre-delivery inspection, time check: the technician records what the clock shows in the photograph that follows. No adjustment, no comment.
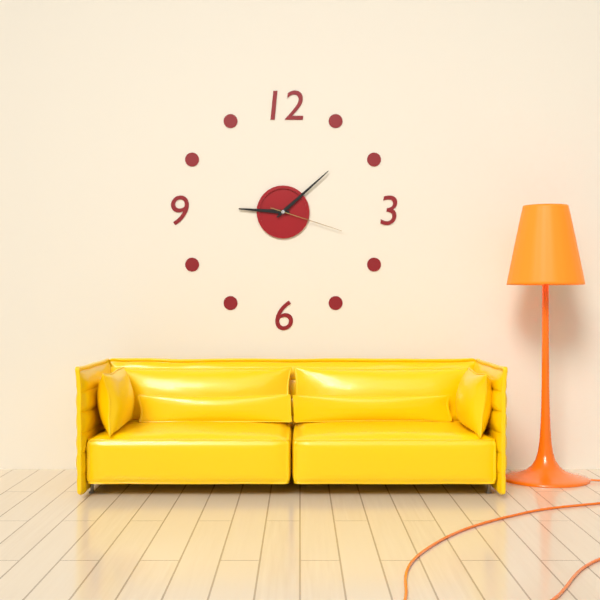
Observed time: 9:08:18
